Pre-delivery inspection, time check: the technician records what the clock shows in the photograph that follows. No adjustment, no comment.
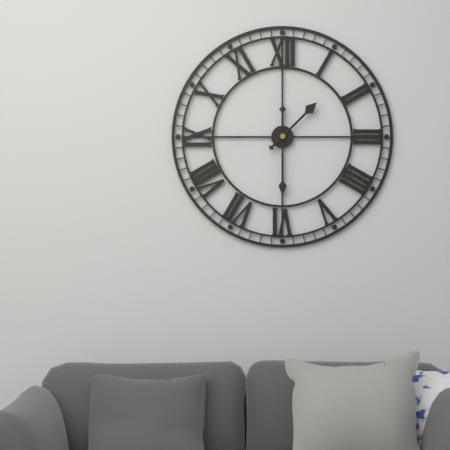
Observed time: 1:30
